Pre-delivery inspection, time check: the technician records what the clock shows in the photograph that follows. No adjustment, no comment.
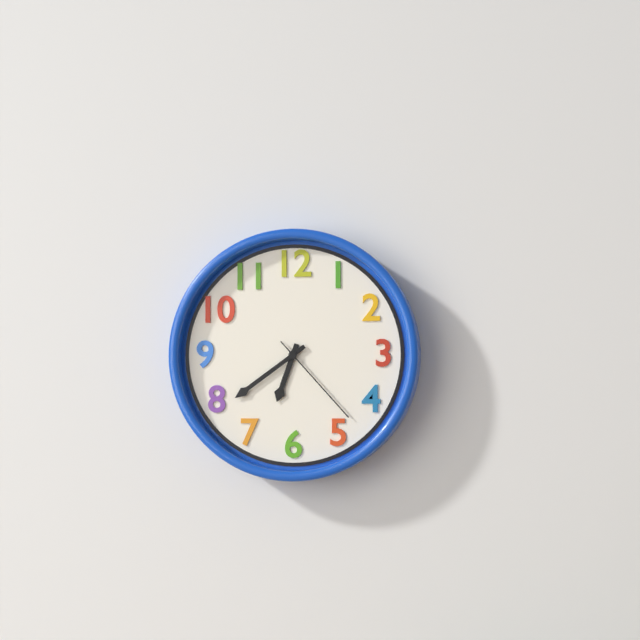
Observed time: 6:39:23
